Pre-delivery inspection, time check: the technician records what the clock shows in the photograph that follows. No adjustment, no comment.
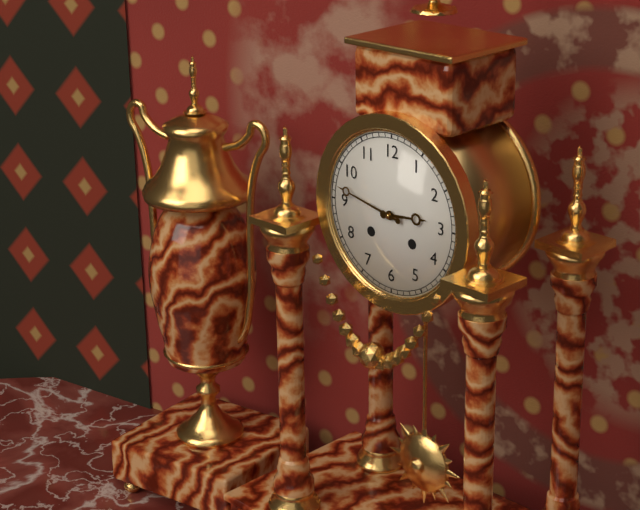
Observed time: 2:47
